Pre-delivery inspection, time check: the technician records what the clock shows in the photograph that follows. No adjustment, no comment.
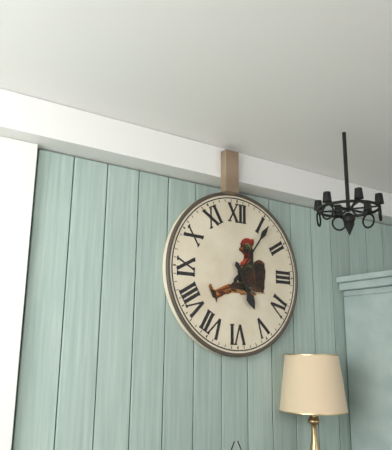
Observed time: 5:06
